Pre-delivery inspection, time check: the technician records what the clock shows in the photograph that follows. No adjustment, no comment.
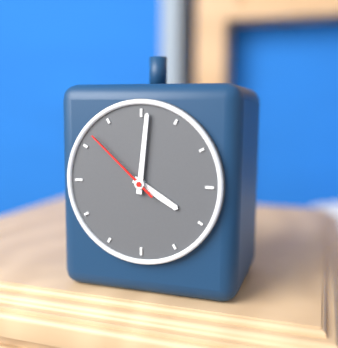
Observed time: 4:01:52
